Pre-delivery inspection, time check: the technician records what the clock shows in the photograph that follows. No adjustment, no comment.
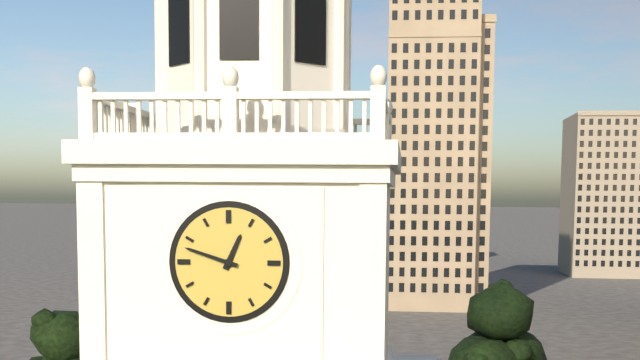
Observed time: 12:48
